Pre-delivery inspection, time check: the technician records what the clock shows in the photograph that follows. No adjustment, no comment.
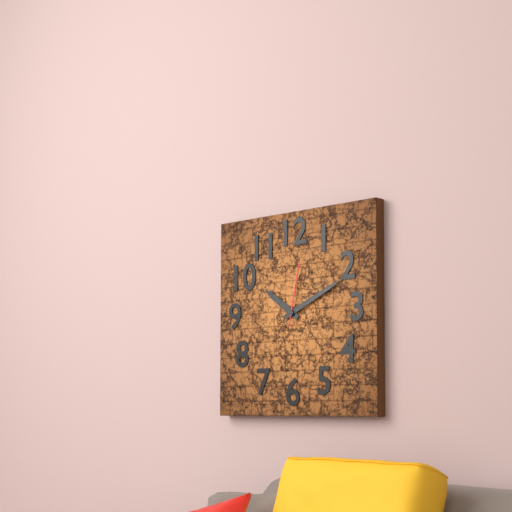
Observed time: 10:11:02
